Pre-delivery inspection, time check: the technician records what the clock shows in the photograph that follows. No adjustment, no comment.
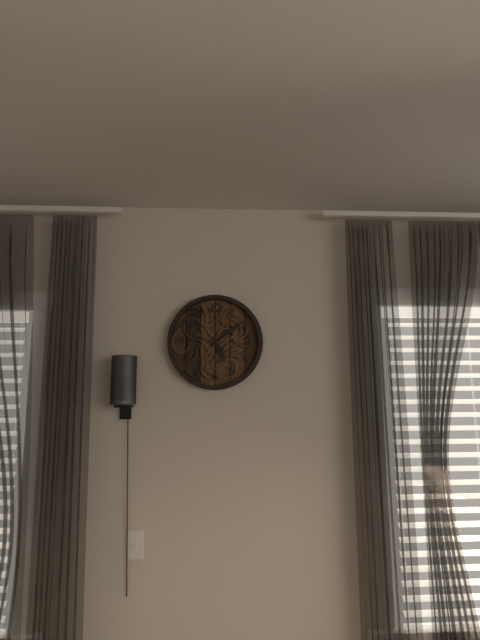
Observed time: 5:09
